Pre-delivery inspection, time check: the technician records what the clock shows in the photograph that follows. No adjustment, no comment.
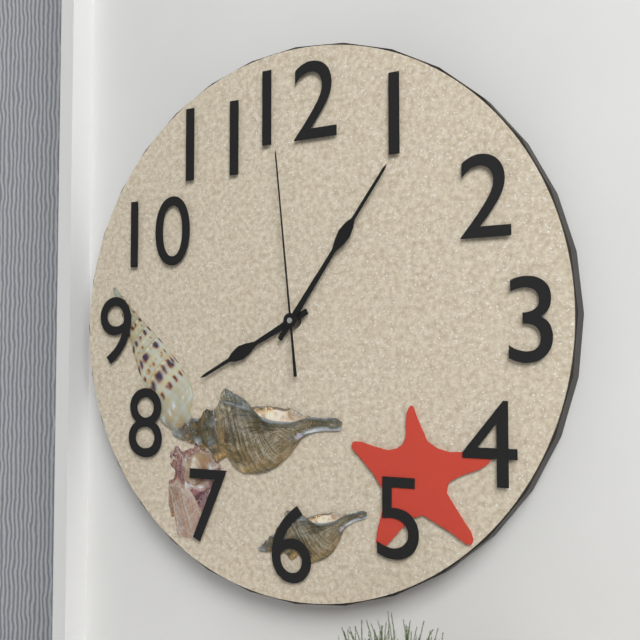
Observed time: 8:06:59
